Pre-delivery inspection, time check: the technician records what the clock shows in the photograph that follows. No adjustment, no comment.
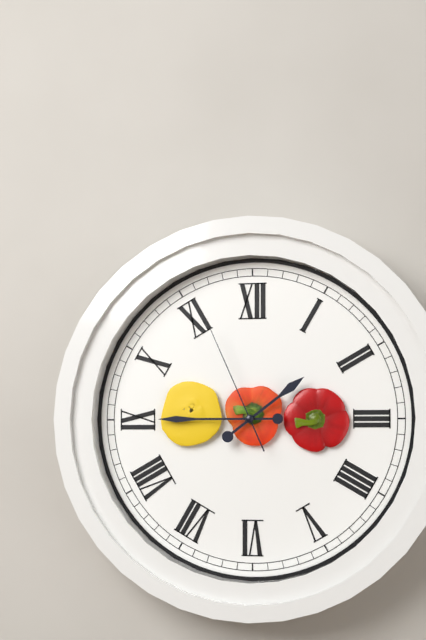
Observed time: 1:45:56
